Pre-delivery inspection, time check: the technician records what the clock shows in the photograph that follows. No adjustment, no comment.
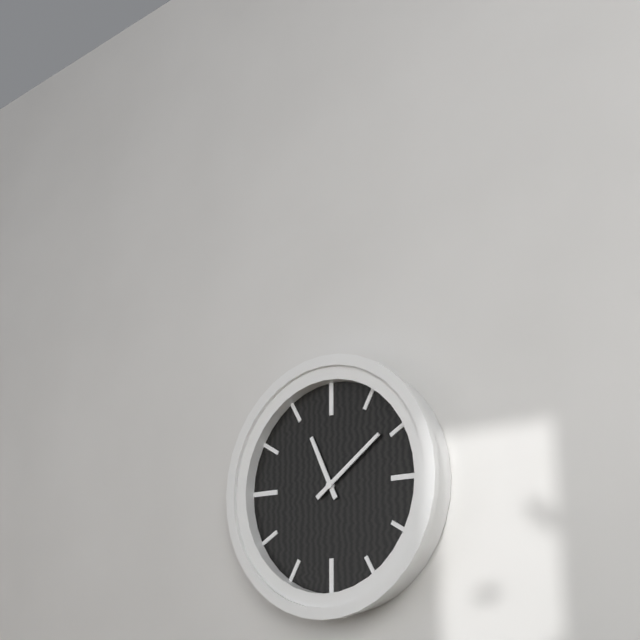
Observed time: 11:09
